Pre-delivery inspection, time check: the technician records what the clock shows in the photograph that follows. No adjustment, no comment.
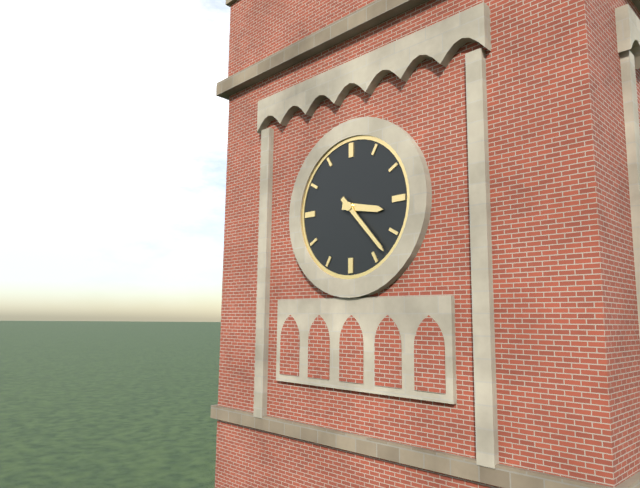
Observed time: 3:23
